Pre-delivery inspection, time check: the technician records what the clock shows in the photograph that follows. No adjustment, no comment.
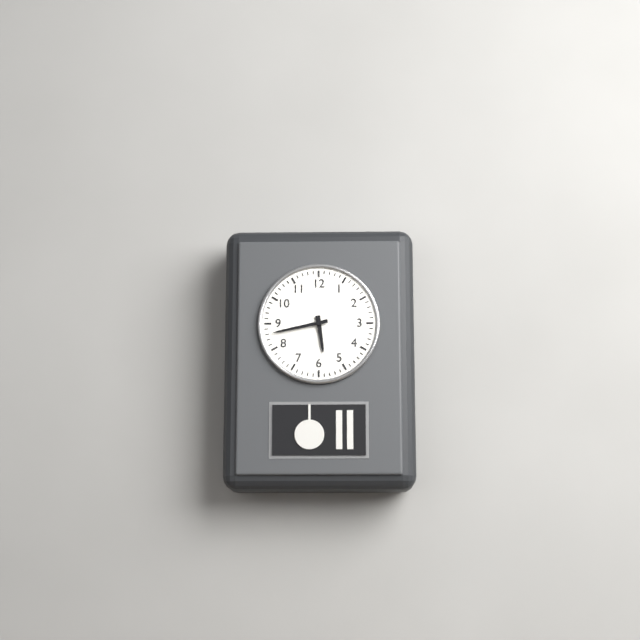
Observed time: 5:43
